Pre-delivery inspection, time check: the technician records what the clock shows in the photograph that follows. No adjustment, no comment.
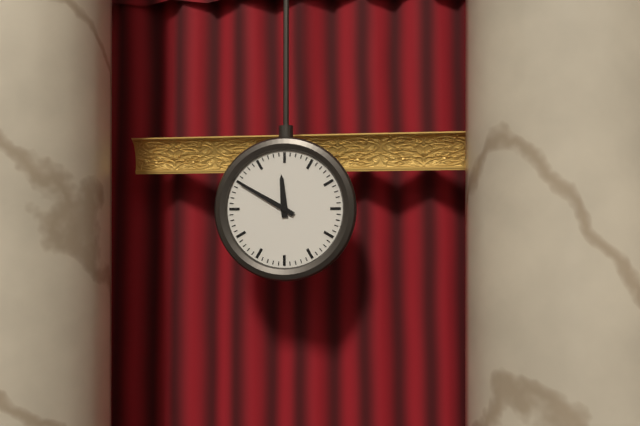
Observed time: 11:50
